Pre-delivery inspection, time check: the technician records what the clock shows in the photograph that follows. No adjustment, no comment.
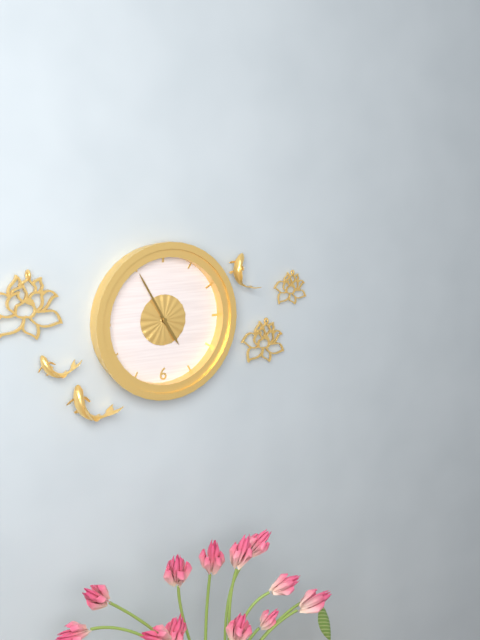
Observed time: 4:55
